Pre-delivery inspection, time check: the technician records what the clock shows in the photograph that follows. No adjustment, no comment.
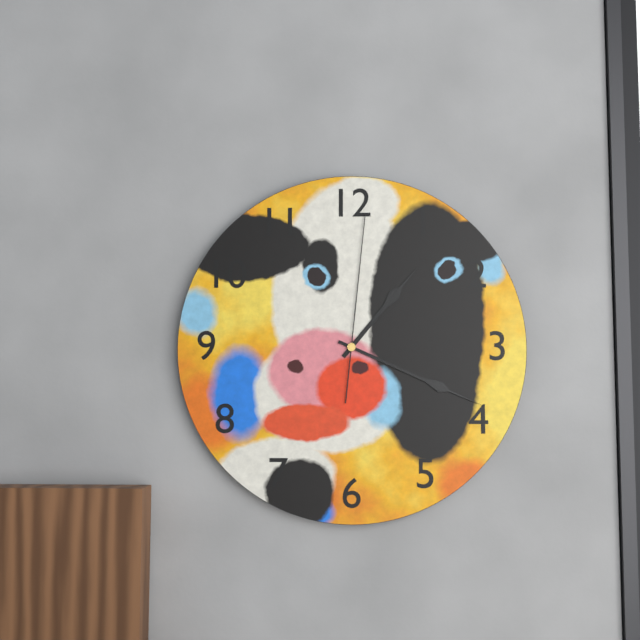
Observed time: 1:19:01
